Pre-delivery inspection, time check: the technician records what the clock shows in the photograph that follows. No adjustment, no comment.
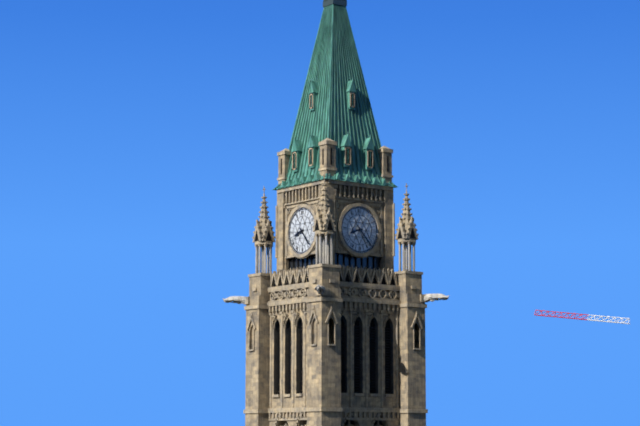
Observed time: 8:23
